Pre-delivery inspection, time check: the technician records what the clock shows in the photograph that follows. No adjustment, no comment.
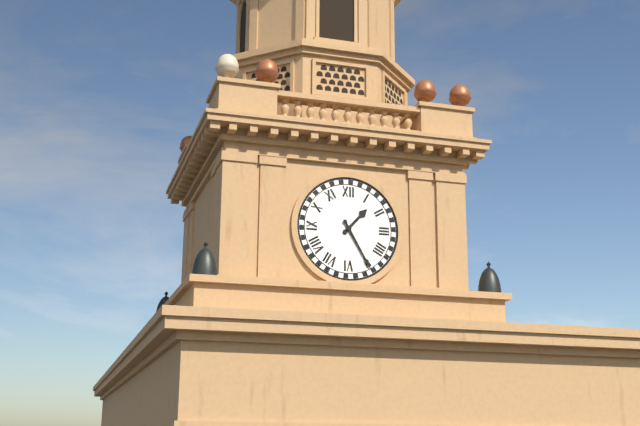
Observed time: 1:25
